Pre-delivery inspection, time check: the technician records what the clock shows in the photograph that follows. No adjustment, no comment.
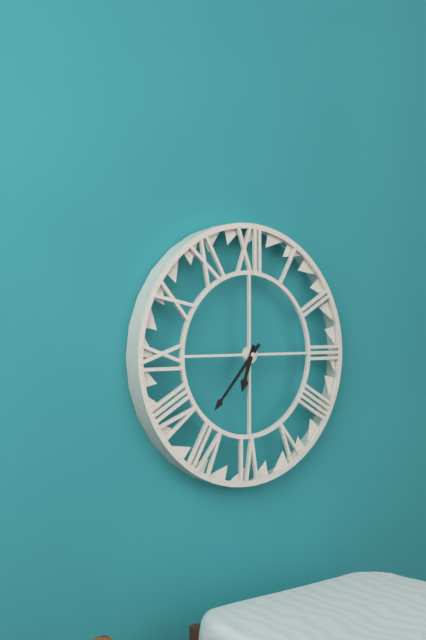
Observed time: 6:37
